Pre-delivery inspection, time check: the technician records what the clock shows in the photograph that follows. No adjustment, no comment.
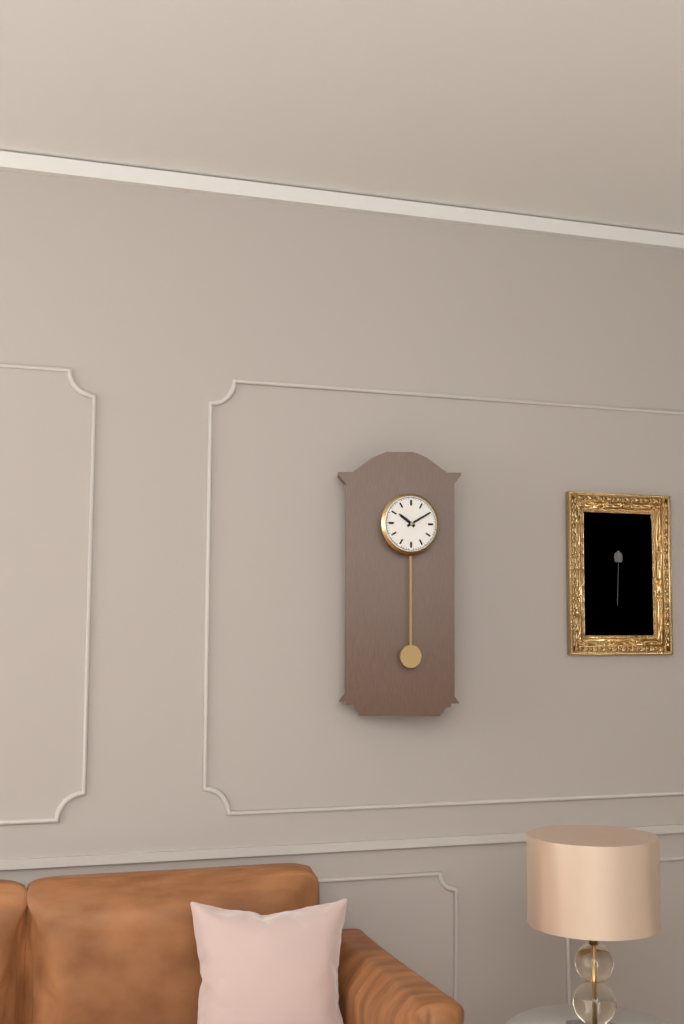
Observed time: 10:10
